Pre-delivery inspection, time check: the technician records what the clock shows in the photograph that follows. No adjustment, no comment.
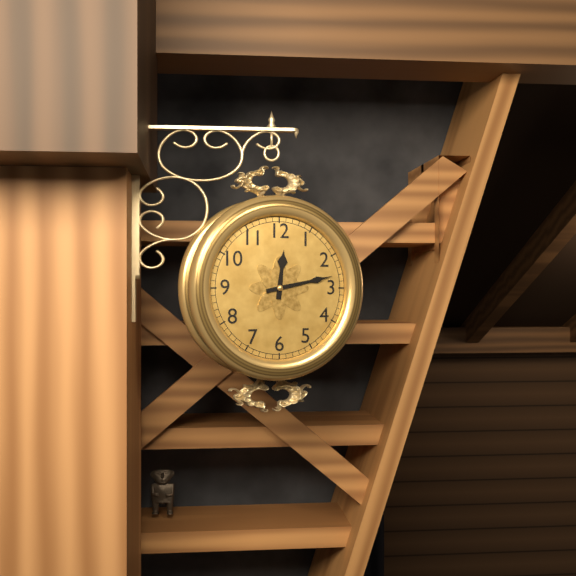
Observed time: 12:13
